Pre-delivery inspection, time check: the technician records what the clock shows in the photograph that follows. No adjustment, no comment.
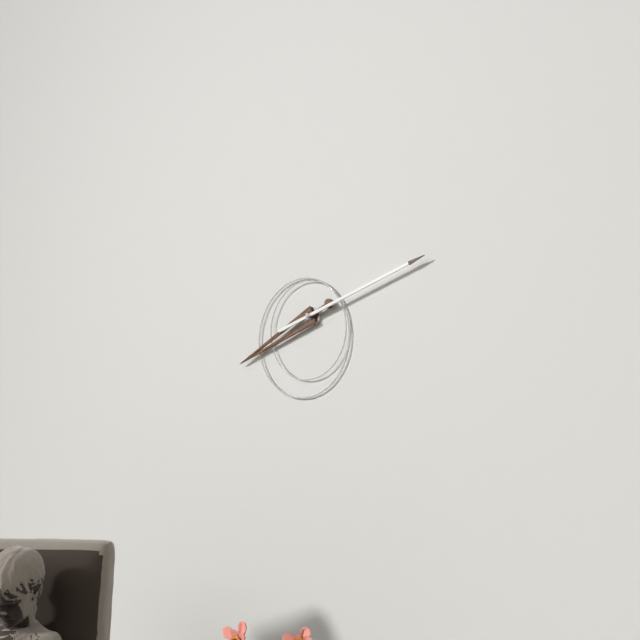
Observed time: 8:12
